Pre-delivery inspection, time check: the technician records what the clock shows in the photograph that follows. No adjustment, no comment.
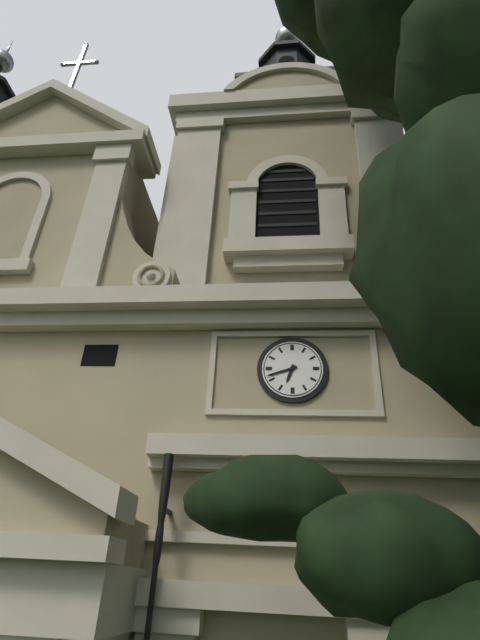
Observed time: 6:42
